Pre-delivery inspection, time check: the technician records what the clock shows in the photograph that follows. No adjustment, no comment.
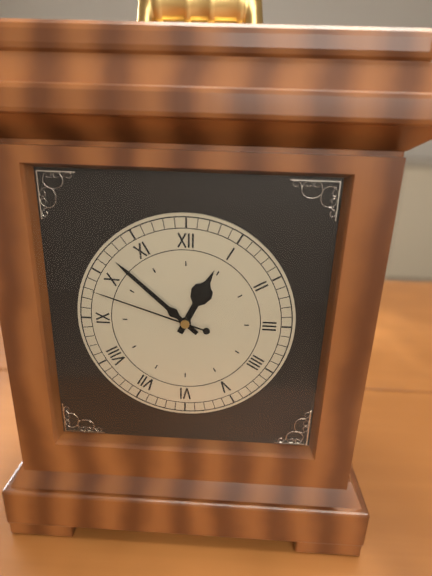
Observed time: 12:52:48
